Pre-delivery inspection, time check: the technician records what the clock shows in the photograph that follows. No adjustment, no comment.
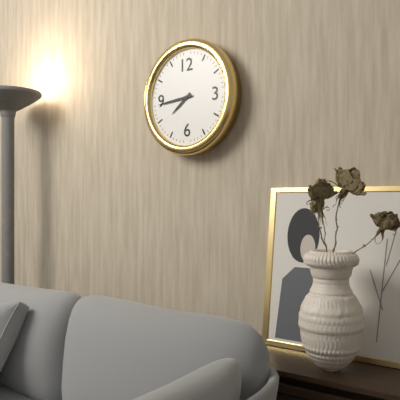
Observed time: 7:44
